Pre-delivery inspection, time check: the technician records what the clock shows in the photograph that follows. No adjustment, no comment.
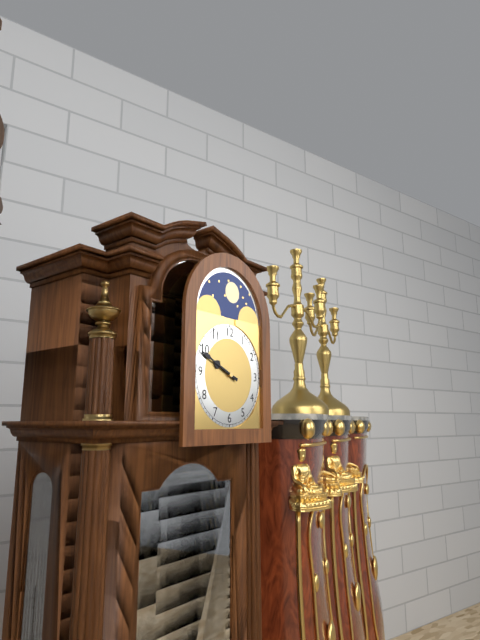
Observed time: 9:49
